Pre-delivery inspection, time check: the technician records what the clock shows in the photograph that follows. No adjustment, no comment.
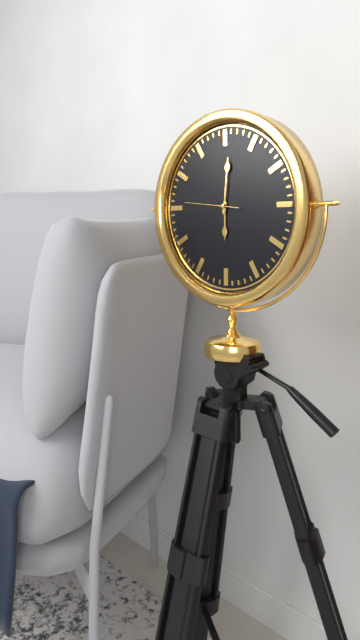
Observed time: 6:01
